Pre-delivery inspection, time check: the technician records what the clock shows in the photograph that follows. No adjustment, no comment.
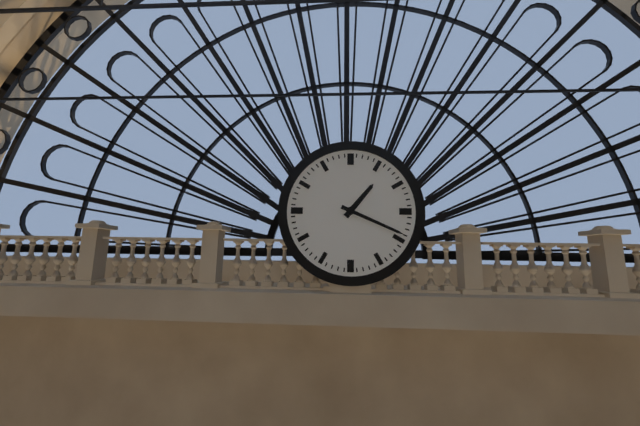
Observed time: 1:19
